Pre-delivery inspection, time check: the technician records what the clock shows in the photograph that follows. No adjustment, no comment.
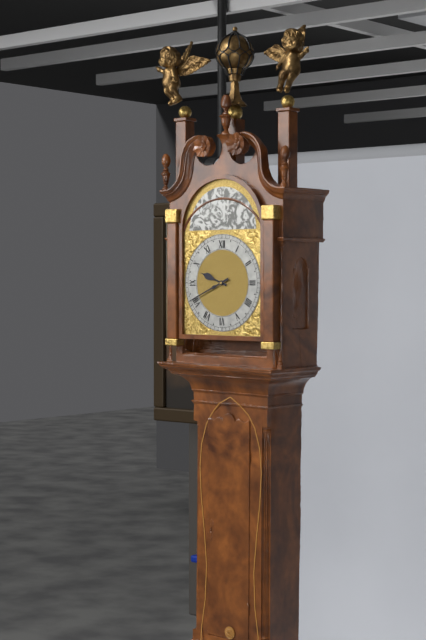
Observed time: 9:41
